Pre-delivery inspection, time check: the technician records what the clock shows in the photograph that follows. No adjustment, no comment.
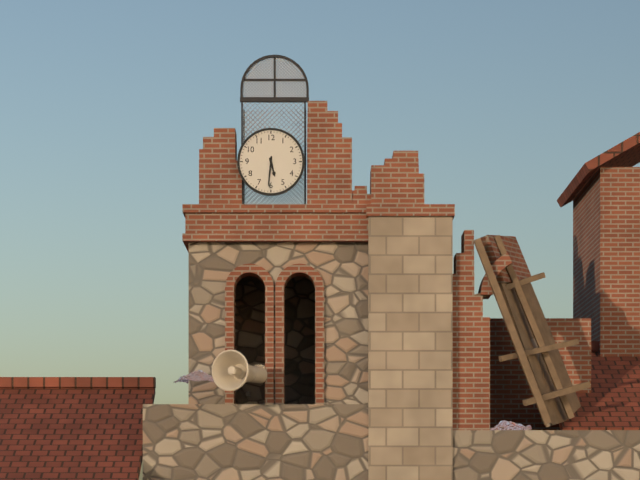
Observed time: 5:31
